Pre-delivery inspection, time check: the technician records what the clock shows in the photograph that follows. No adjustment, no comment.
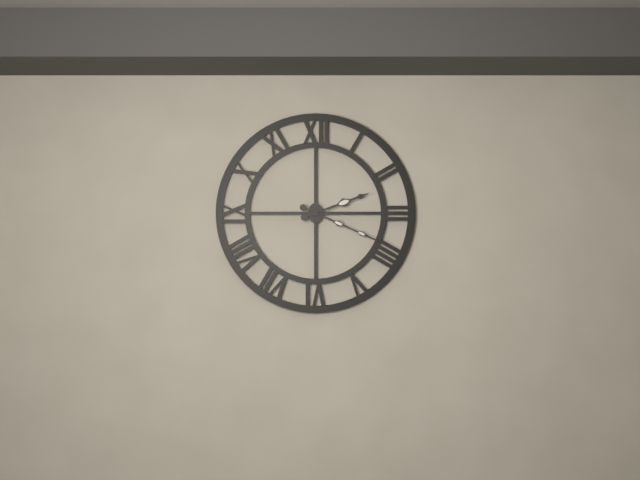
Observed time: 2:19
